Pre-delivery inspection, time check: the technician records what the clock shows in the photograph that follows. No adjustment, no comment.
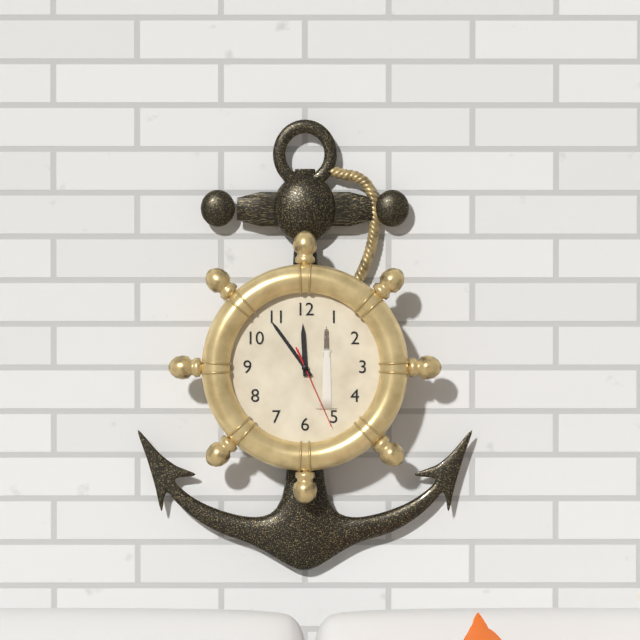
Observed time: 11:54:26
